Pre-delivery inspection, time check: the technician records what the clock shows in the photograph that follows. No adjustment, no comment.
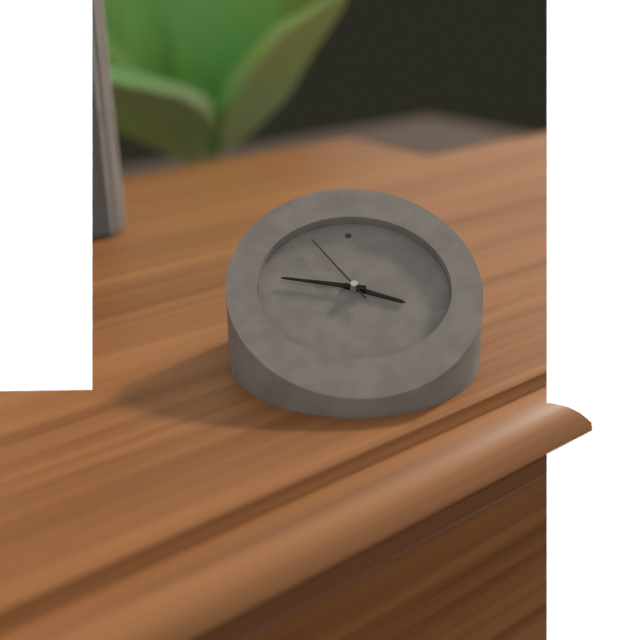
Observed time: 3:47:55
